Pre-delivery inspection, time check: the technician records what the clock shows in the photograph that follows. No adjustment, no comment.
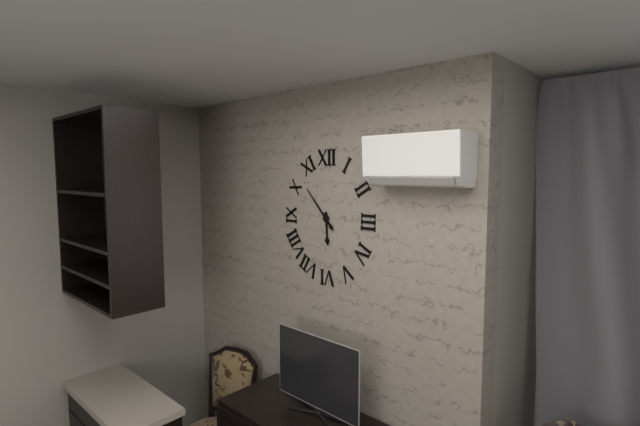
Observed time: 5:53
